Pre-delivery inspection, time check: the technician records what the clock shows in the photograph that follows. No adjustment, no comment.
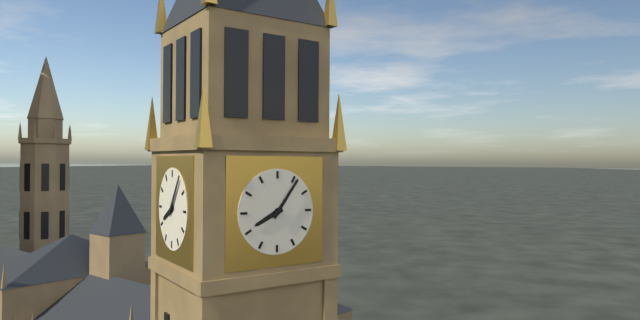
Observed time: 8:06
